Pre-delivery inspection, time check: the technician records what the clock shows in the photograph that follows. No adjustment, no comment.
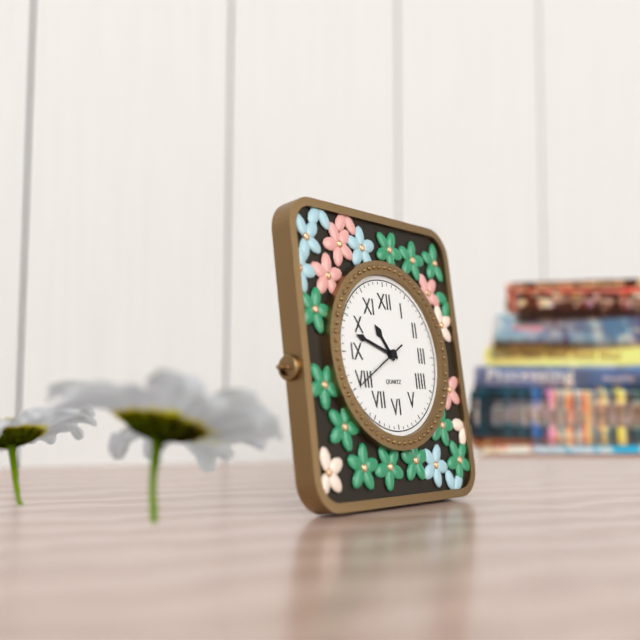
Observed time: 10:48:40
